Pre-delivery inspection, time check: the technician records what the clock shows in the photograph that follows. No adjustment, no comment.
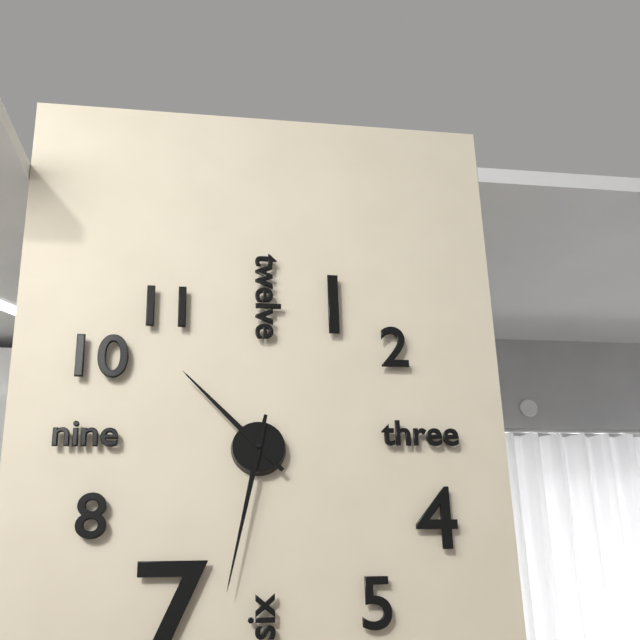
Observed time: 10:32
